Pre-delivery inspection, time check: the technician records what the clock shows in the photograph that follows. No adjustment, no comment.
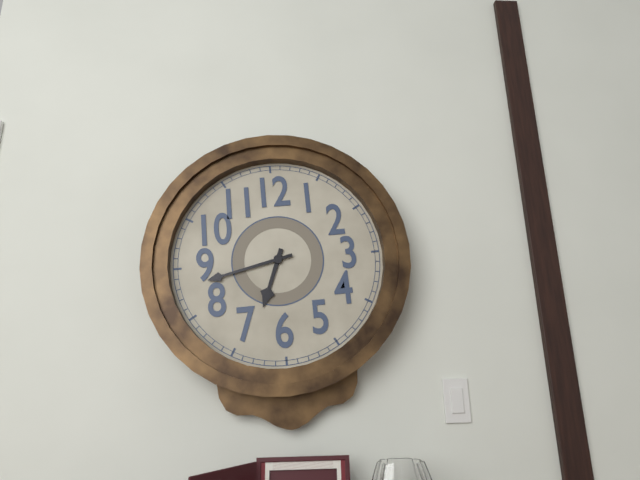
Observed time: 6:43
